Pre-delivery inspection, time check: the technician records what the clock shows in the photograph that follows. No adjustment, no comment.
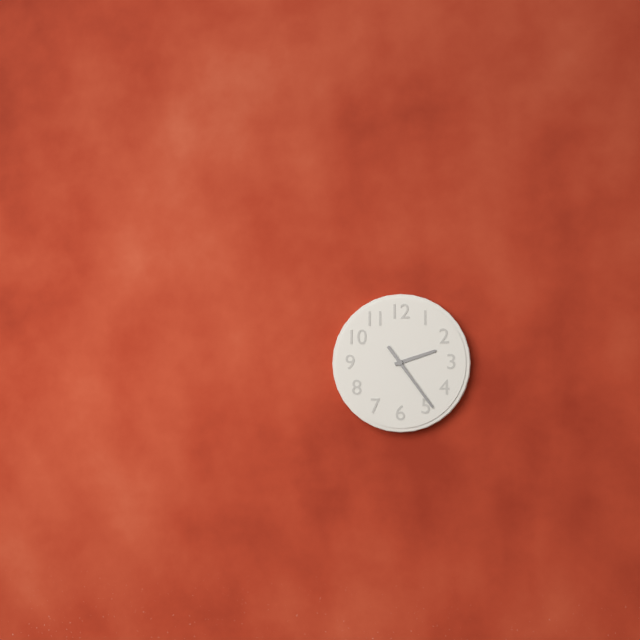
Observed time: 2:24
